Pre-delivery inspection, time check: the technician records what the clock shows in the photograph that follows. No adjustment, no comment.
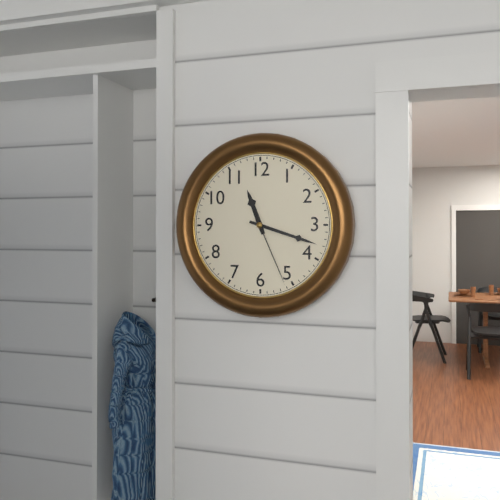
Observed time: 11:18:26
